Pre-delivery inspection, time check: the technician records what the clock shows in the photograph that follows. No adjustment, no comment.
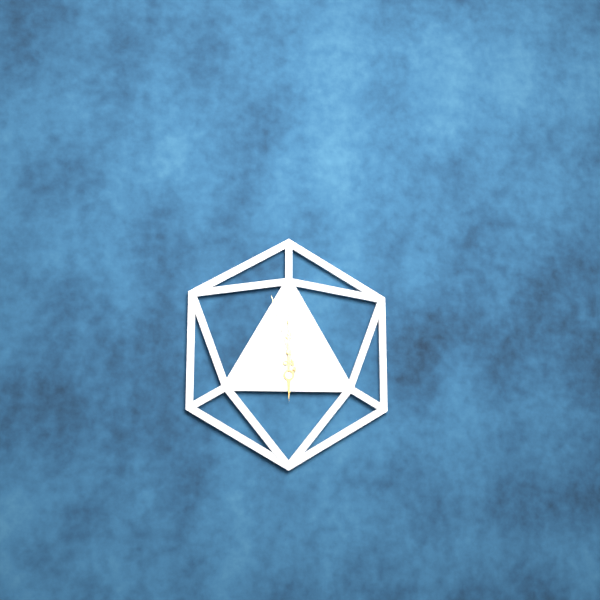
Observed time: 6:00:57
